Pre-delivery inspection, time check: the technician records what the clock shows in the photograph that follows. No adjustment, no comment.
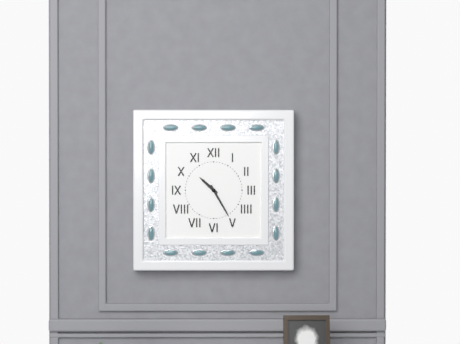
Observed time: 10:25
